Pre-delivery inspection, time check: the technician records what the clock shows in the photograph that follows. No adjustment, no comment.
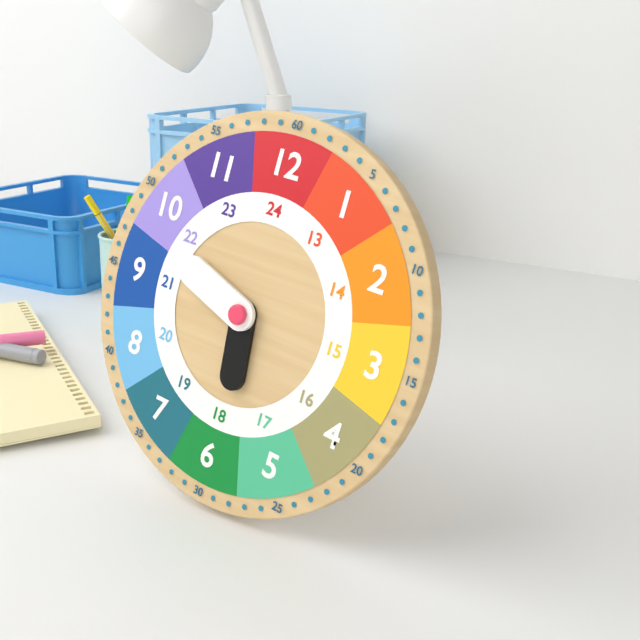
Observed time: 5:48
